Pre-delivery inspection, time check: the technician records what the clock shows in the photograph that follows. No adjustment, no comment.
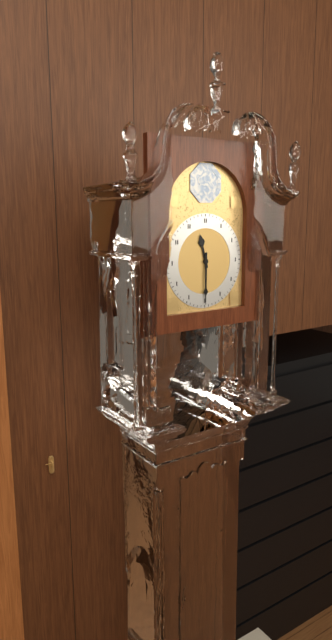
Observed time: 11:30
